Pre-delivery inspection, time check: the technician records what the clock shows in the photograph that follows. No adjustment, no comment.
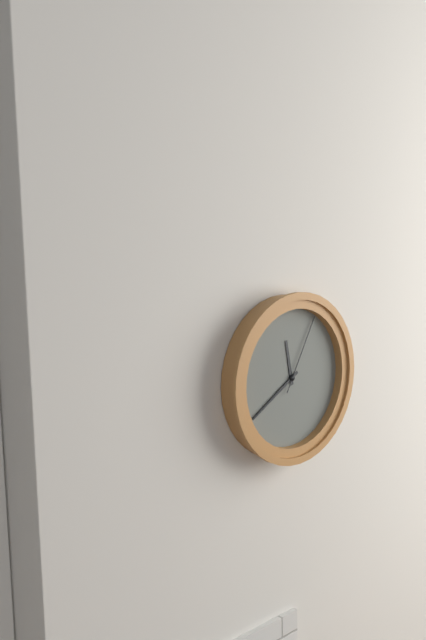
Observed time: 11:40:05
